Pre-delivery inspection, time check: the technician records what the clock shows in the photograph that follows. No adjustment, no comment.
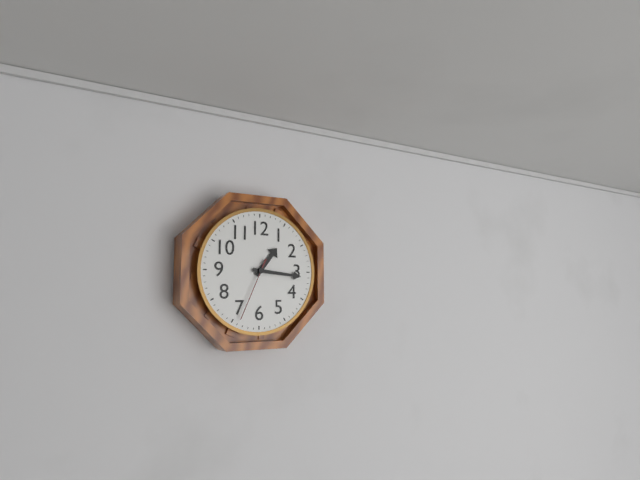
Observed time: 1:16:34
